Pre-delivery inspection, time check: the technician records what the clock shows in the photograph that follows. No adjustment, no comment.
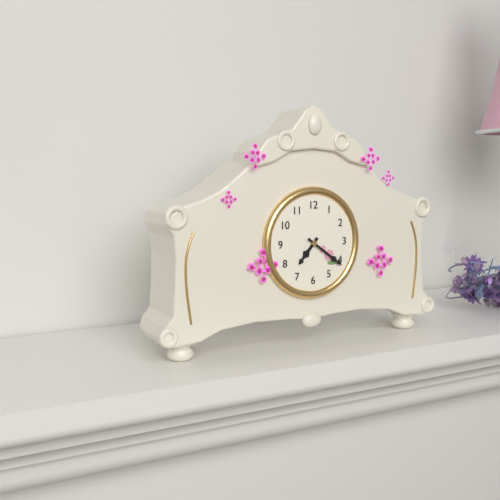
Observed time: 7:21
